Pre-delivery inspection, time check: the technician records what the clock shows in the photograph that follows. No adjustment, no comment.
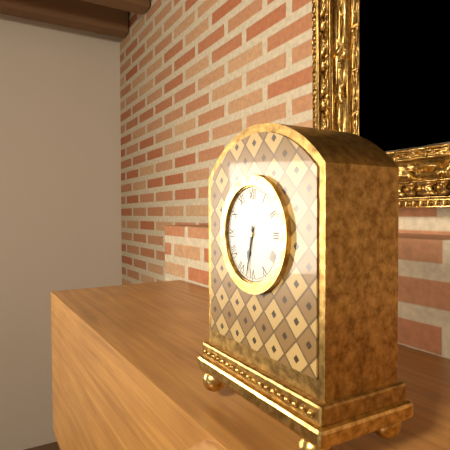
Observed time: 6:32
